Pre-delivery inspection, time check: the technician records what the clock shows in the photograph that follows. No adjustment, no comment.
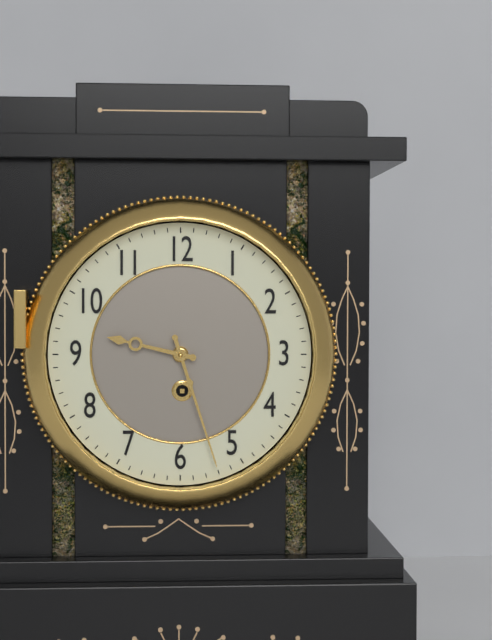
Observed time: 9:27
